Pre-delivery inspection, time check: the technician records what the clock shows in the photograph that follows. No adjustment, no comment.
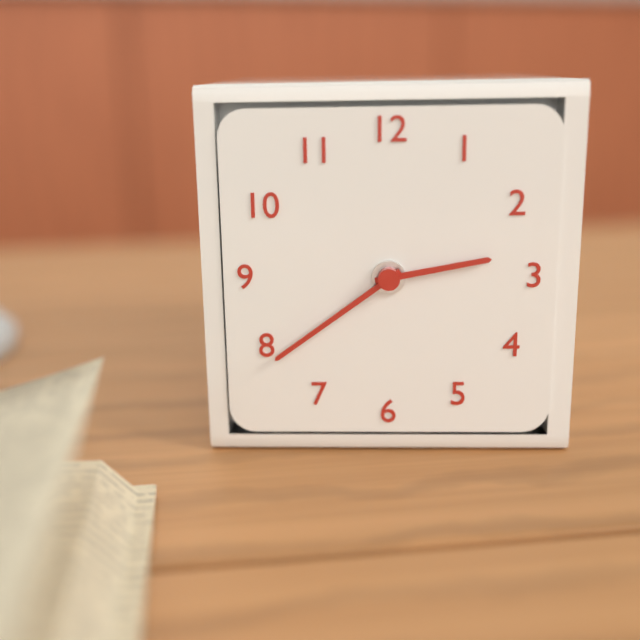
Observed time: 2:39
